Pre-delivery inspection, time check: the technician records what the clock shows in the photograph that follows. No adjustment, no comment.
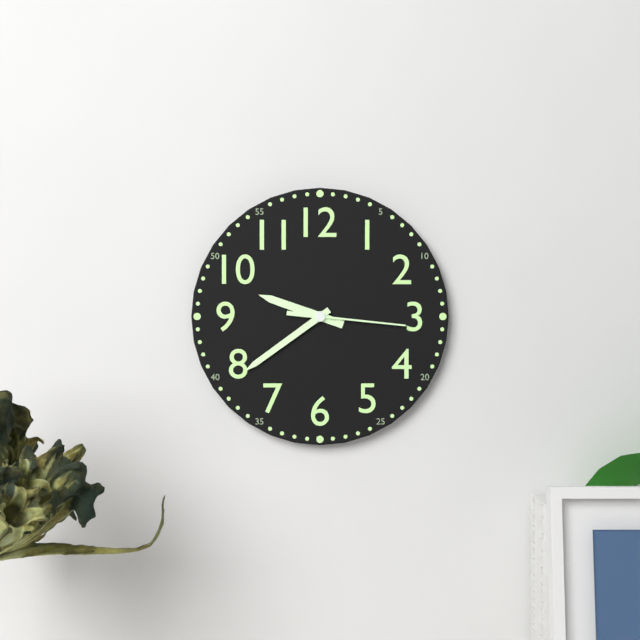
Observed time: 9:39:16
